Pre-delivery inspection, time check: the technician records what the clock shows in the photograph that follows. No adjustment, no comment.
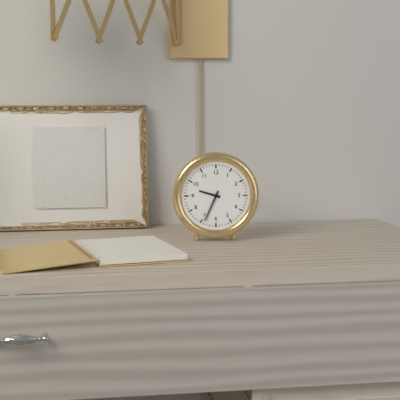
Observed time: 9:34
